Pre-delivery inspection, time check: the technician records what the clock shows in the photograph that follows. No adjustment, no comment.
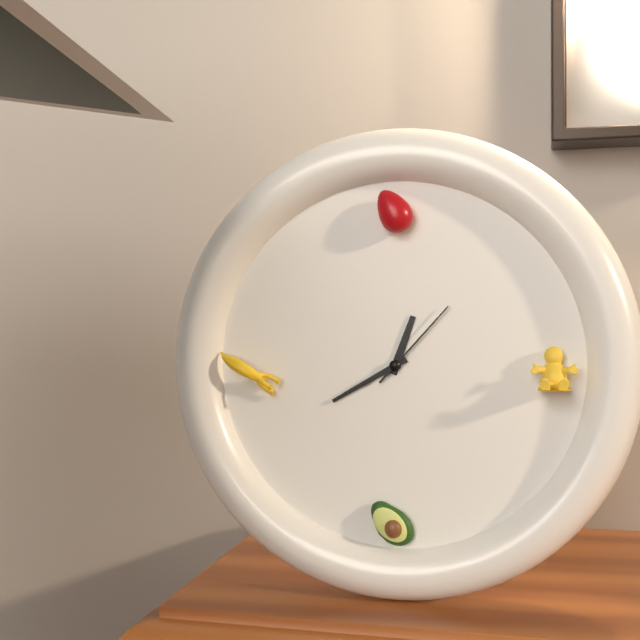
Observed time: 12:40:07
